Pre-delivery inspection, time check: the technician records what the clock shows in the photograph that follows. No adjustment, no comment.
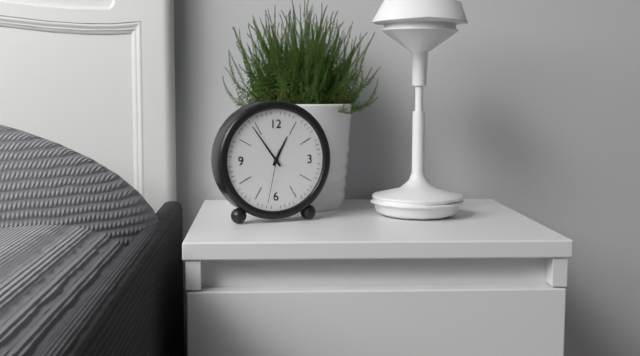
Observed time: 12:54:32
